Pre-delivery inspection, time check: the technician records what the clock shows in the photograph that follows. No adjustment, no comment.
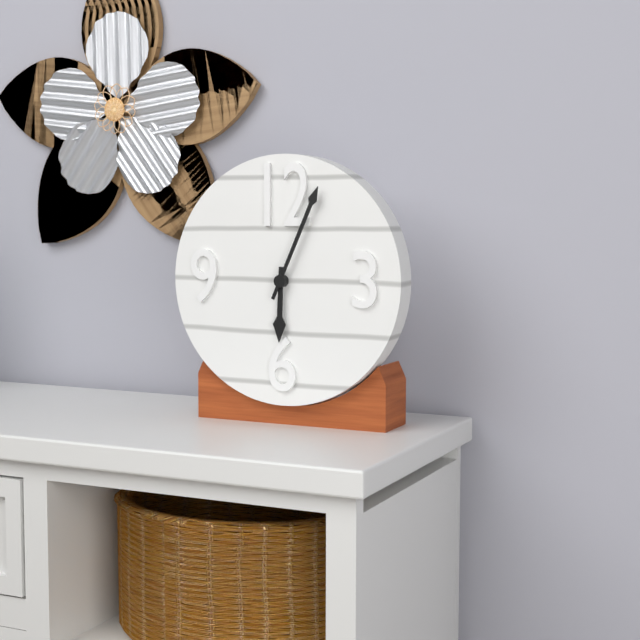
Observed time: 6:04
